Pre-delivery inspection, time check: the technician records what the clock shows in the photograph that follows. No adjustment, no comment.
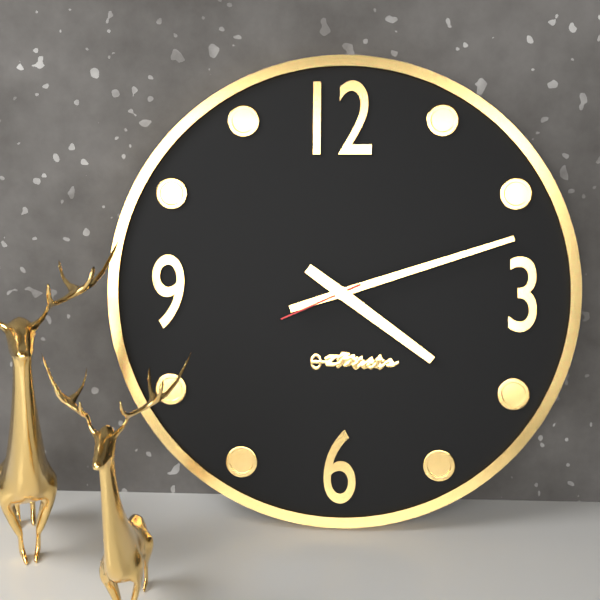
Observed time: 4:12:41
